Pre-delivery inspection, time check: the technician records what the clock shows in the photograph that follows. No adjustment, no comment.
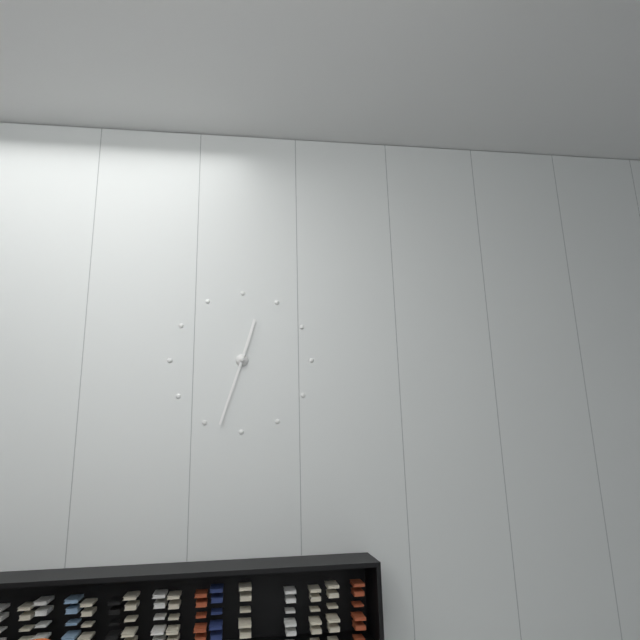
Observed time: 12:33
